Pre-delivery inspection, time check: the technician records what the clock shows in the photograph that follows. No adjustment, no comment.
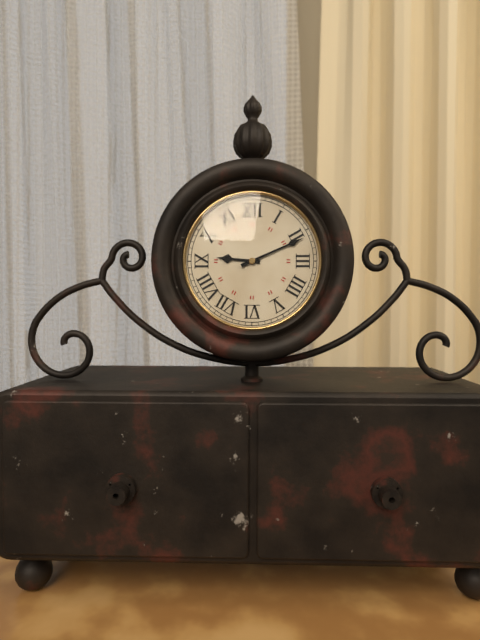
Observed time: 9:11
